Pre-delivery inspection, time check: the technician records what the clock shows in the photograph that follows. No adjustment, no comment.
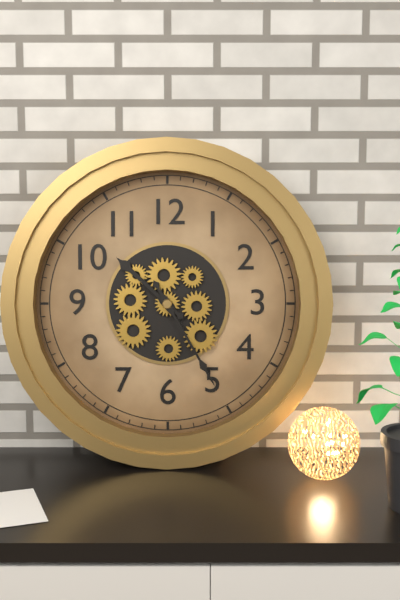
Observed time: 10:25
